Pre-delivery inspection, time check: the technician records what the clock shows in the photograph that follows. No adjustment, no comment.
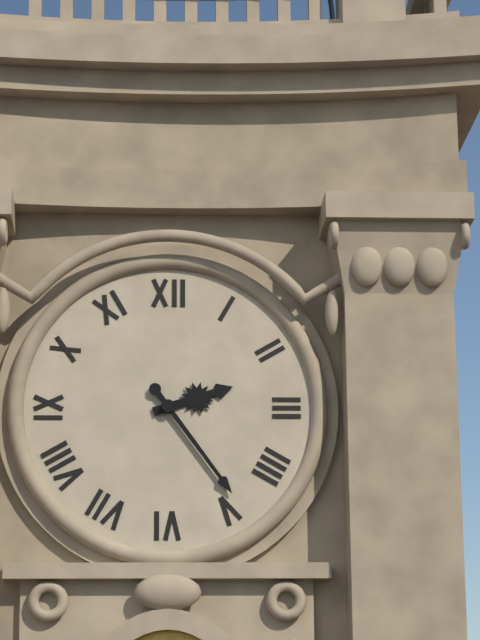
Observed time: 2:24
